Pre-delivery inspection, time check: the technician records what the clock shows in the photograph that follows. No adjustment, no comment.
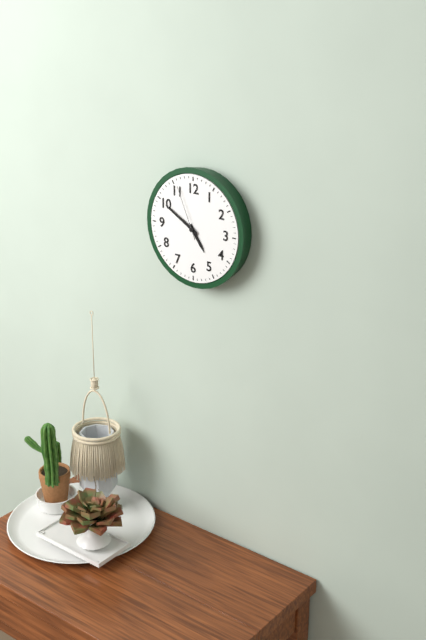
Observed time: 4:50:56
